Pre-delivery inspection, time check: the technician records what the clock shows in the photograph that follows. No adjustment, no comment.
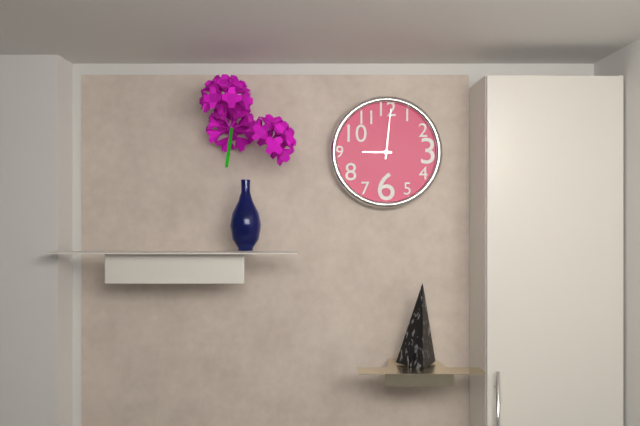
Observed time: 9:01
